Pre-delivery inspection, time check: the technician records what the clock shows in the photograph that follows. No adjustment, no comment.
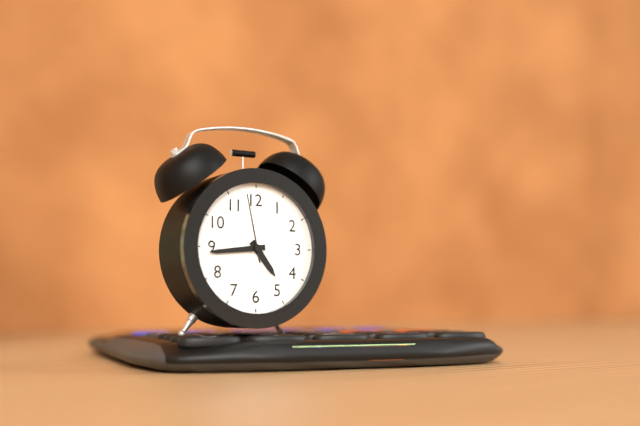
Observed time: 4:44:58
